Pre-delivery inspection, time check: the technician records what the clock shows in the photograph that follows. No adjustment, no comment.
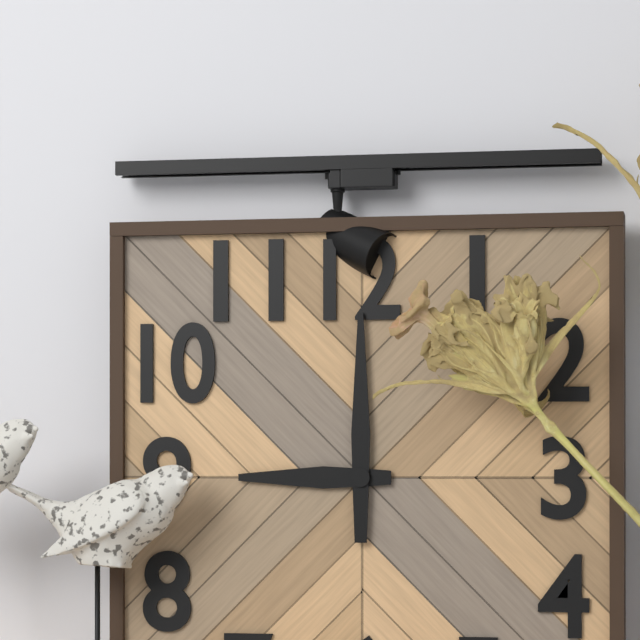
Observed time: 9:00
